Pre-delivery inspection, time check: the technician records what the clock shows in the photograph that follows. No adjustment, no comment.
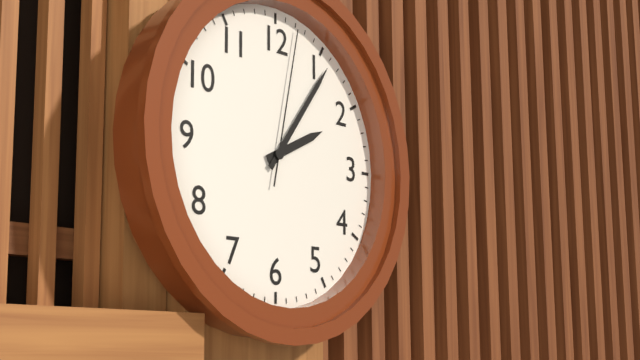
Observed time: 2:06:02
